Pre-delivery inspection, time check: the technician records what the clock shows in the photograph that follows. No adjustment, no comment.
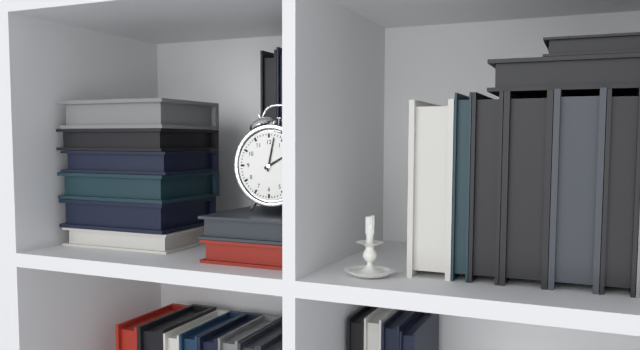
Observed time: 2:02
